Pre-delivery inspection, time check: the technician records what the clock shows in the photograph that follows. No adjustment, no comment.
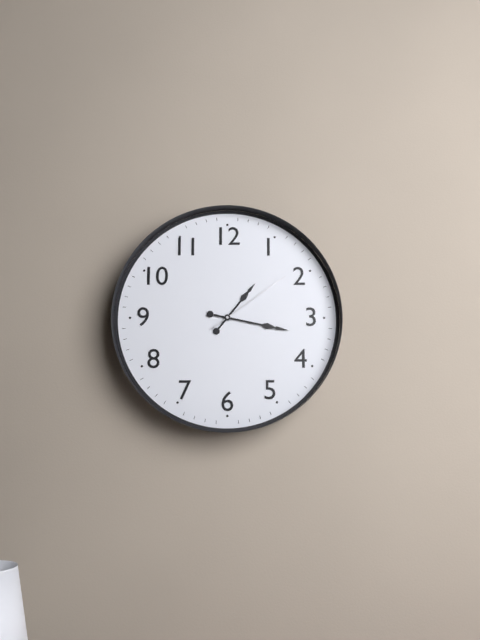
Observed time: 1:17:09
